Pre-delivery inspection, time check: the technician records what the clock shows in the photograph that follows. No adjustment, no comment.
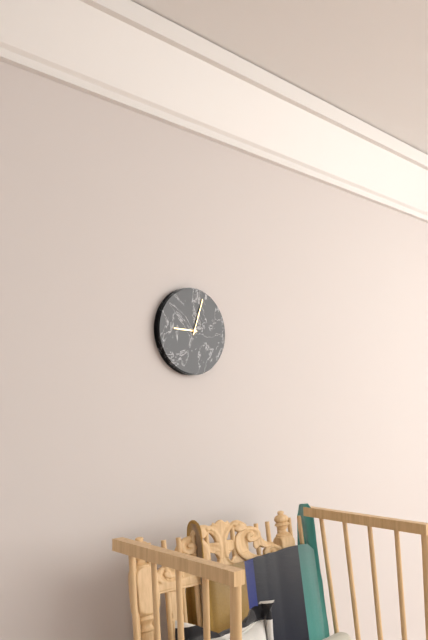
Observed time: 9:03
